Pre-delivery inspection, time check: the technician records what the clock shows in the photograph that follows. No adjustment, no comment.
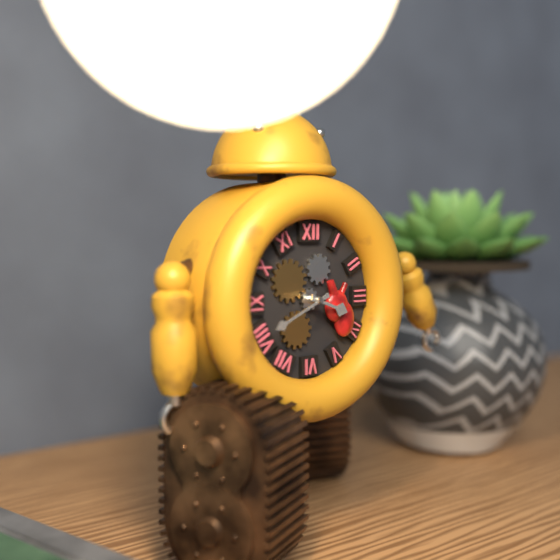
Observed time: 3:41
